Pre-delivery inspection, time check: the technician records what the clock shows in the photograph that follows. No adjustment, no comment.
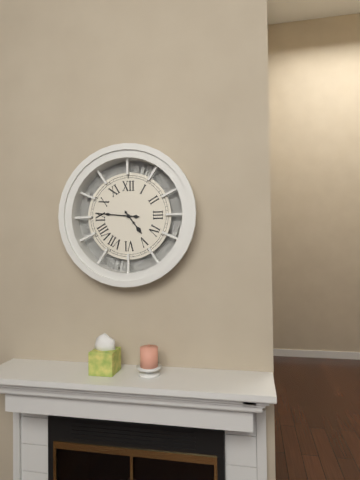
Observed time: 4:46
